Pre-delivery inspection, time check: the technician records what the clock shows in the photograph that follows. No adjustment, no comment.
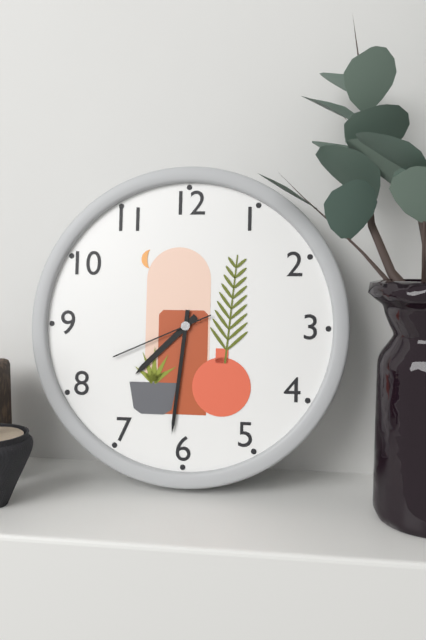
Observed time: 7:31:41
